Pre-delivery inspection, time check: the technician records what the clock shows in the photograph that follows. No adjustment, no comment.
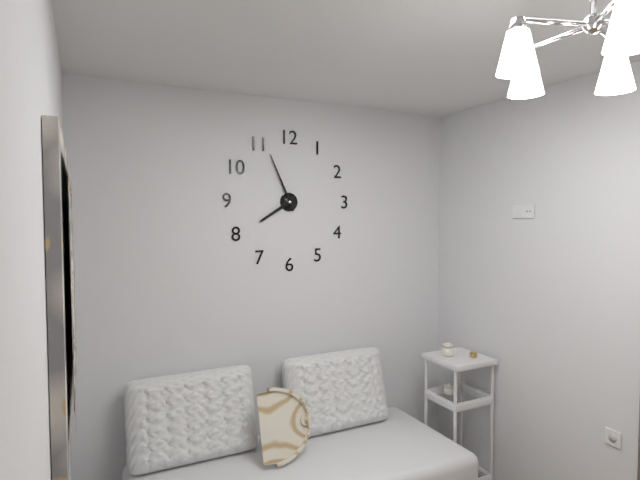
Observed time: 7:56
